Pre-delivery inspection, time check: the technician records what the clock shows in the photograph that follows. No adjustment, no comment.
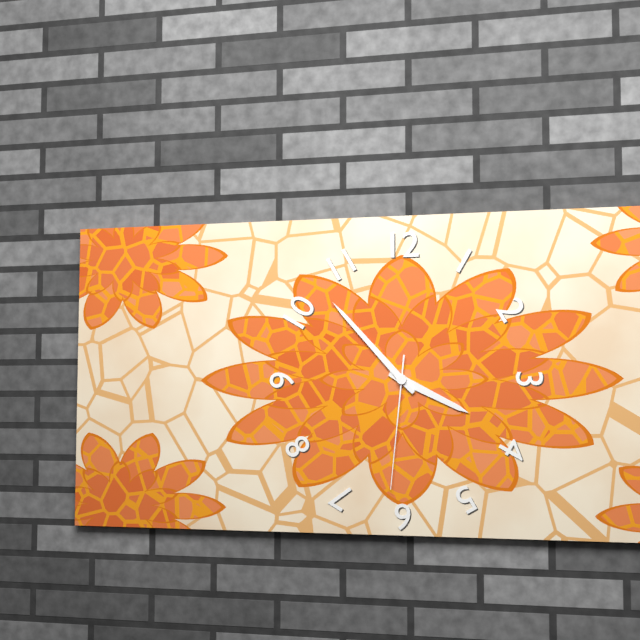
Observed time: 3:53:31
